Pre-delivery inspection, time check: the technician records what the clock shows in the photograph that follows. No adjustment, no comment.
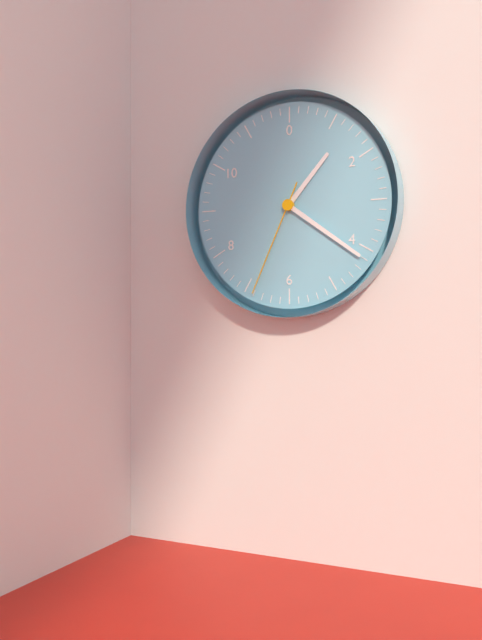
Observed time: 1:21:34
